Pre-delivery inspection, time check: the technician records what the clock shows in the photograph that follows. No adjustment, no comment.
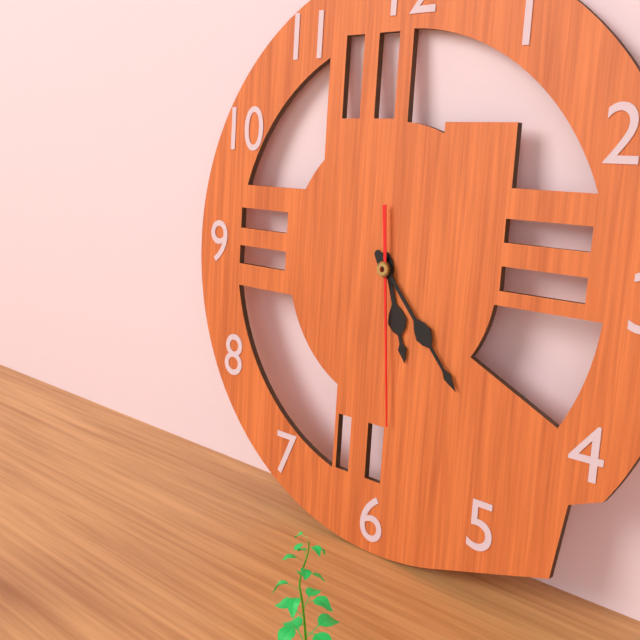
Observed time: 5:23:29
